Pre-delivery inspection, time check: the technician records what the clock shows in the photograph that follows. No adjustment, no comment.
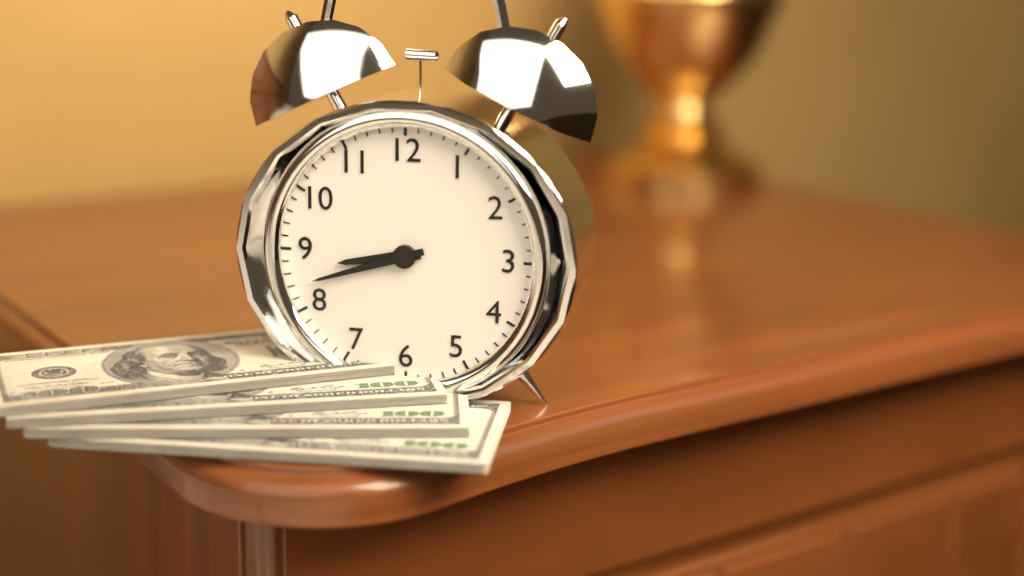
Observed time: 8:42
